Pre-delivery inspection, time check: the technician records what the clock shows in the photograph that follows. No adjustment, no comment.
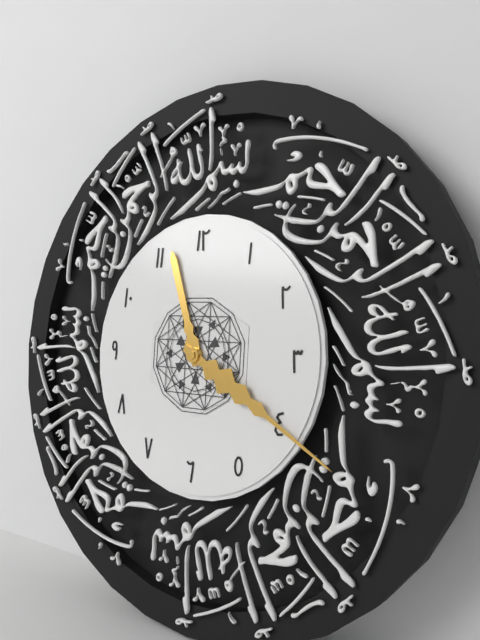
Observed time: 11:20
